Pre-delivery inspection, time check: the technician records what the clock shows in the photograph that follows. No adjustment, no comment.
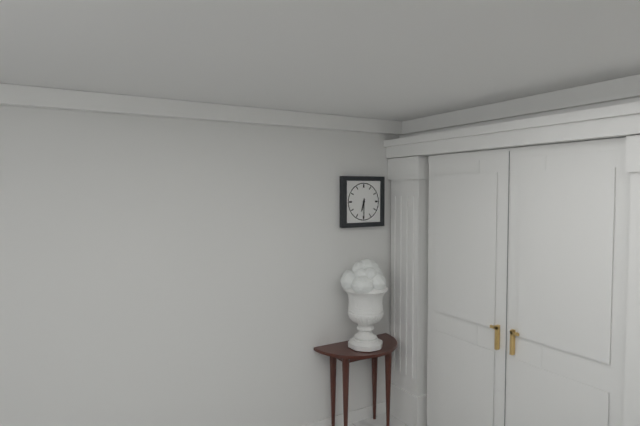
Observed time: 6:30
